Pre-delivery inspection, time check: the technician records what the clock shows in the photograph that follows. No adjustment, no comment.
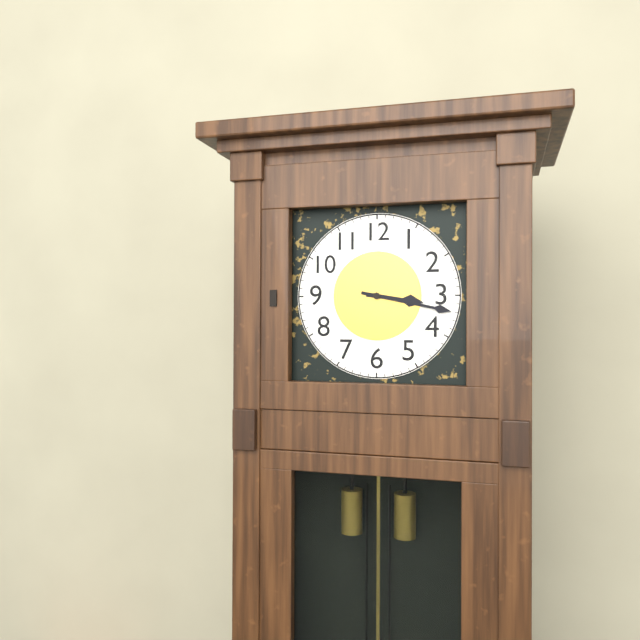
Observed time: 3:17
